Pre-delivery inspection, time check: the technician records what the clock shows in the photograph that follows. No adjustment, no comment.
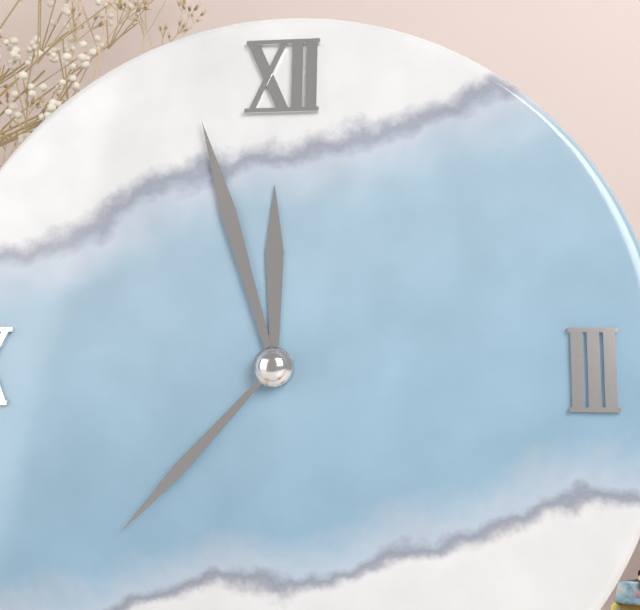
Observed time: 11:57:37
